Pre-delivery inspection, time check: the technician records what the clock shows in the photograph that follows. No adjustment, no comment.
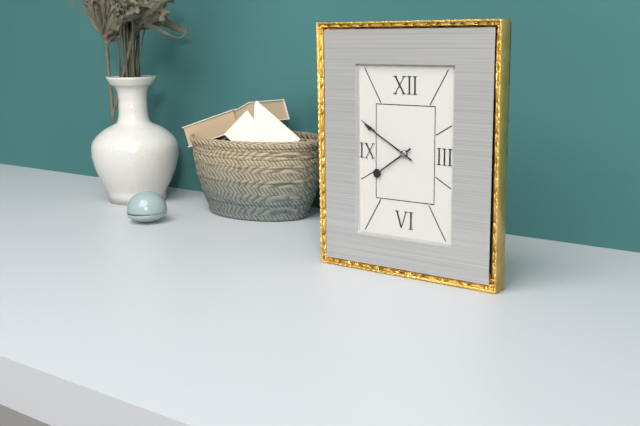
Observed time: 7:50
